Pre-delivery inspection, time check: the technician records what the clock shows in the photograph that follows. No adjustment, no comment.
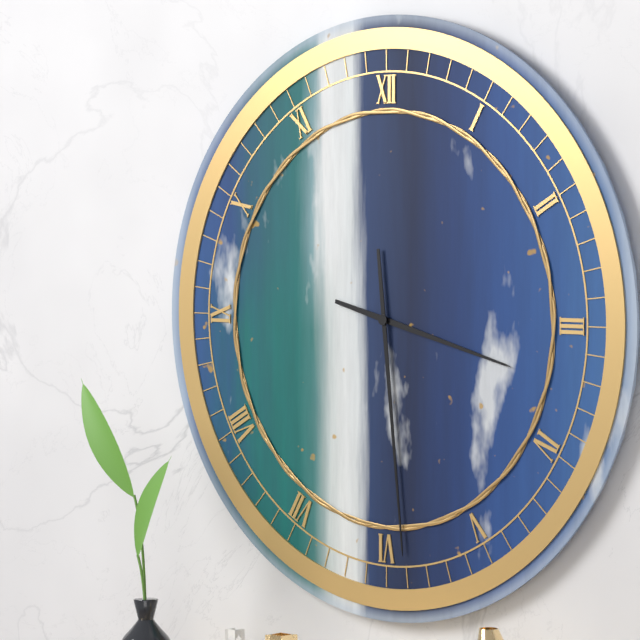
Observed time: 3:29
